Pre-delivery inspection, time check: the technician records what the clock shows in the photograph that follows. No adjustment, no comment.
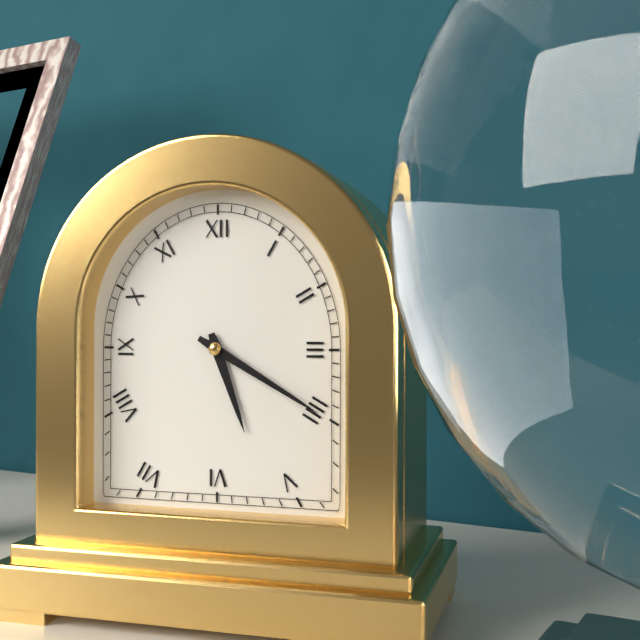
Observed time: 5:20
